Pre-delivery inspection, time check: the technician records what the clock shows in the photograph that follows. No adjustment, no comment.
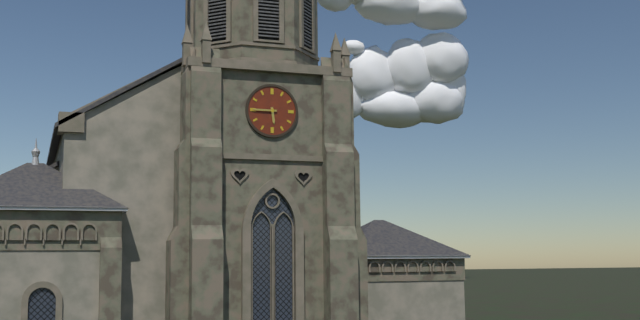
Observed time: 5:45
